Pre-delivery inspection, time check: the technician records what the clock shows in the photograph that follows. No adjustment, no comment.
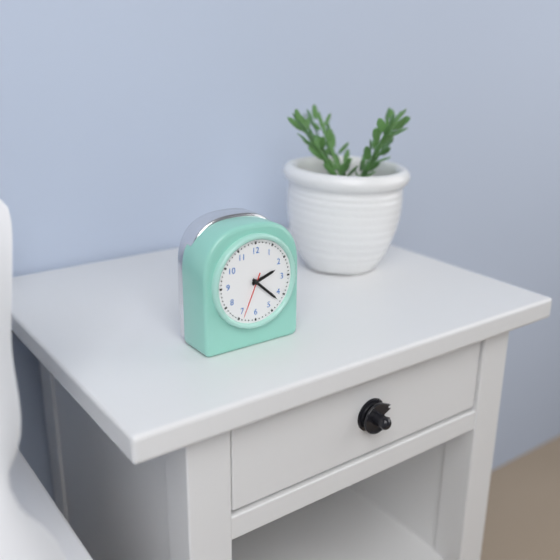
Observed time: 2:22
